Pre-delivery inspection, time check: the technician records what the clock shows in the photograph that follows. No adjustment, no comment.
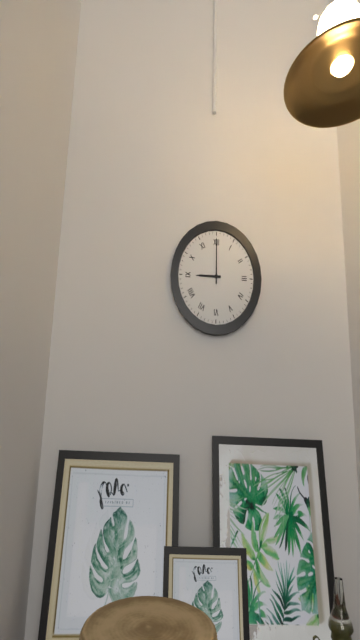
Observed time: 9:00
